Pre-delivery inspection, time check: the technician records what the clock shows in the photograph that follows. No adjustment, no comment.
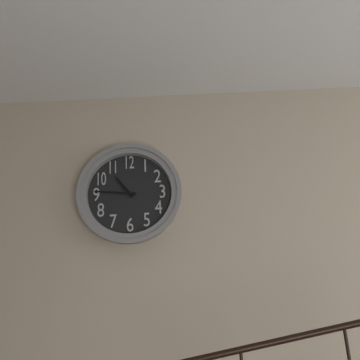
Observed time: 10:46
